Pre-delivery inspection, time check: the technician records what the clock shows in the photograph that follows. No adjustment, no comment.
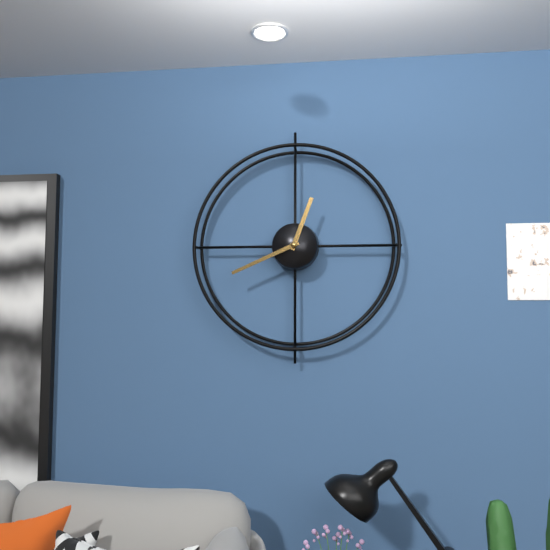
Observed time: 12:41
